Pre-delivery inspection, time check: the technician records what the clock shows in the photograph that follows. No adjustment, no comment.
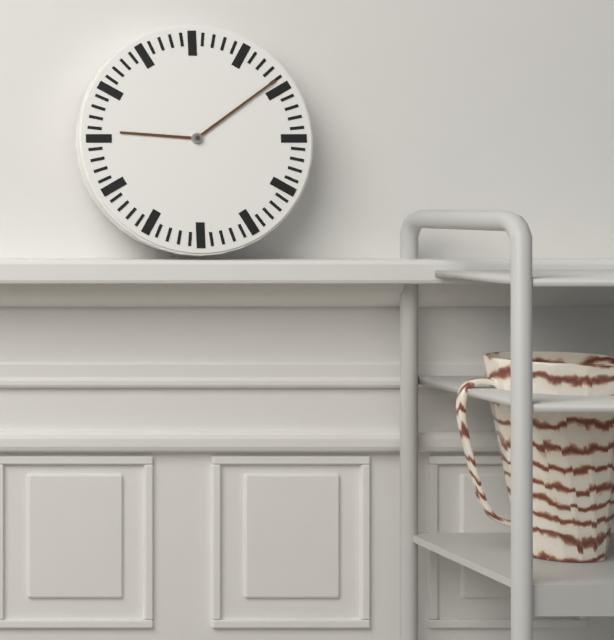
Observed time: 9:09
